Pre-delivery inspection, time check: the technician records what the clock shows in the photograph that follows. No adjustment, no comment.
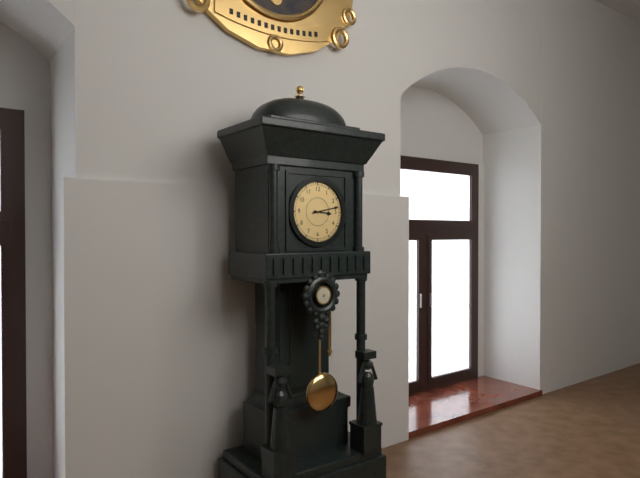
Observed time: 3:13
